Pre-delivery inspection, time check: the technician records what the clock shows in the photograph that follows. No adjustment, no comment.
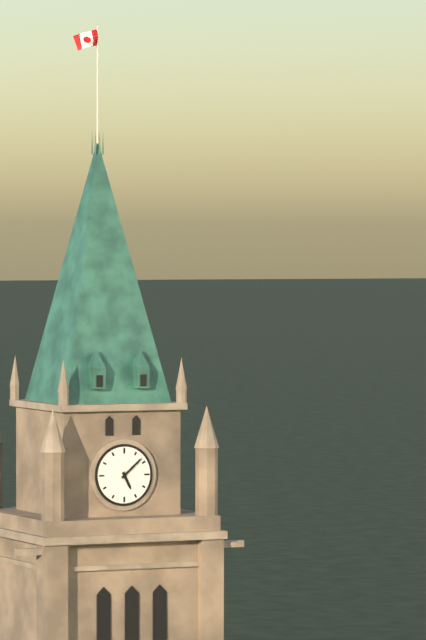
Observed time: 5:08
